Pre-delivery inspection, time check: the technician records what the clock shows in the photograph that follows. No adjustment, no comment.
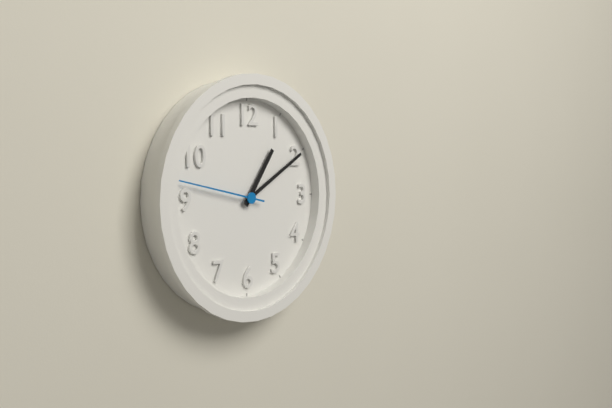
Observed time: 1:10:47
